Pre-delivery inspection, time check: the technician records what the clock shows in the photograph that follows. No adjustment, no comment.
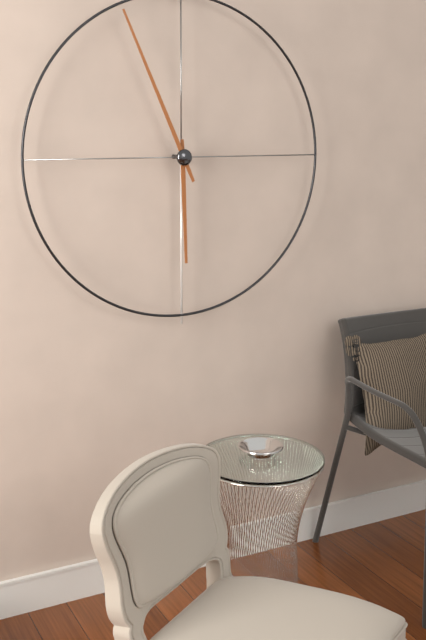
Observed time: 5:56
